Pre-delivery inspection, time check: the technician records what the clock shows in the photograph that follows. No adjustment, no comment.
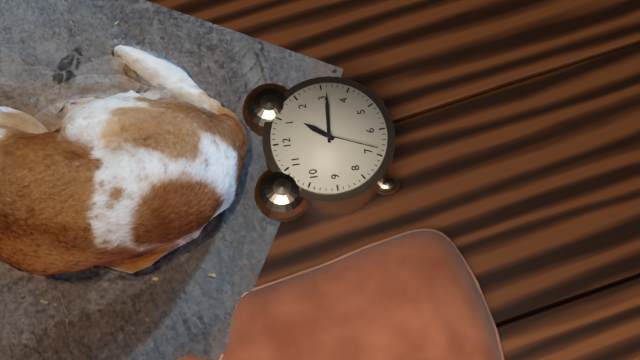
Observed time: 1:16:34
